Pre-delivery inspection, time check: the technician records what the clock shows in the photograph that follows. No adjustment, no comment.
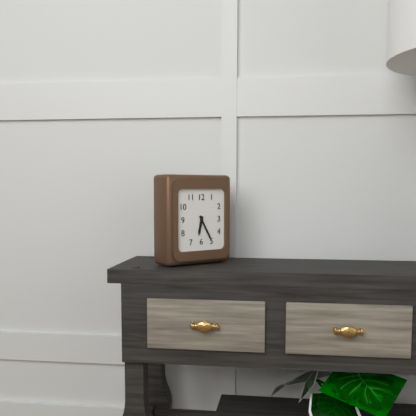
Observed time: 6:25
